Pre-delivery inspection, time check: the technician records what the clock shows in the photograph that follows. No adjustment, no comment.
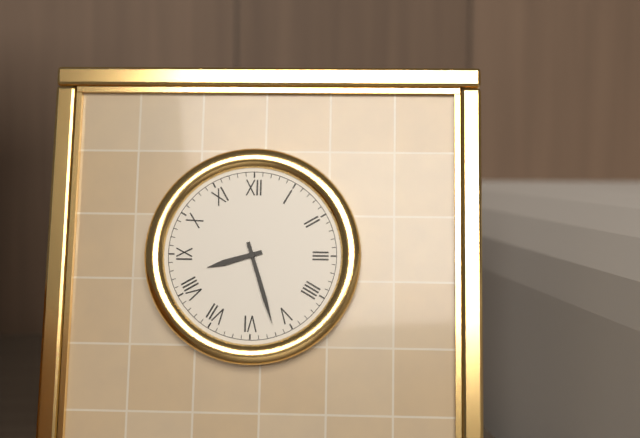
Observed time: 8:27
